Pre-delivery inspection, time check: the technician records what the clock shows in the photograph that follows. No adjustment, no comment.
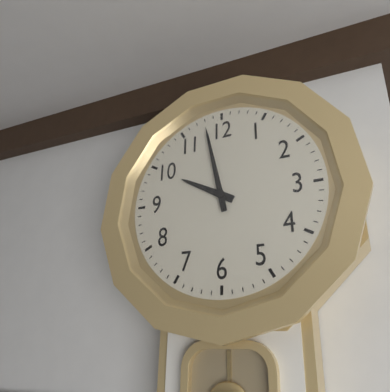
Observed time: 9:58
